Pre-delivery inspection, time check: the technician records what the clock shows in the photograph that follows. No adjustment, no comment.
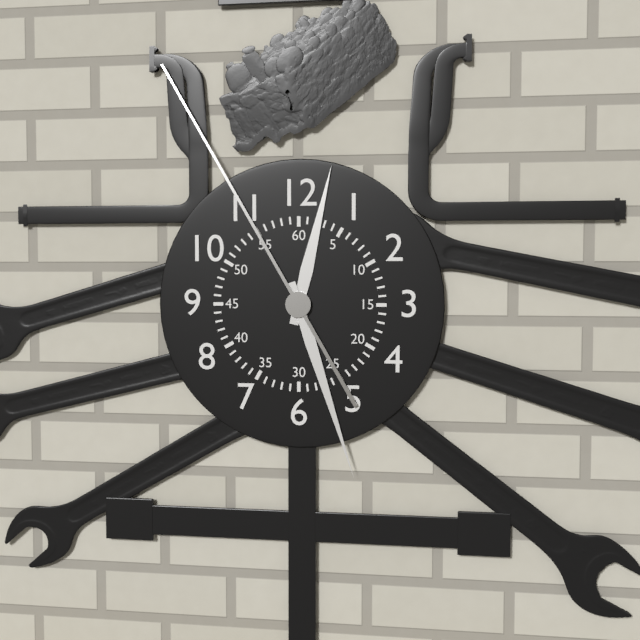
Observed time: 12:27:55
